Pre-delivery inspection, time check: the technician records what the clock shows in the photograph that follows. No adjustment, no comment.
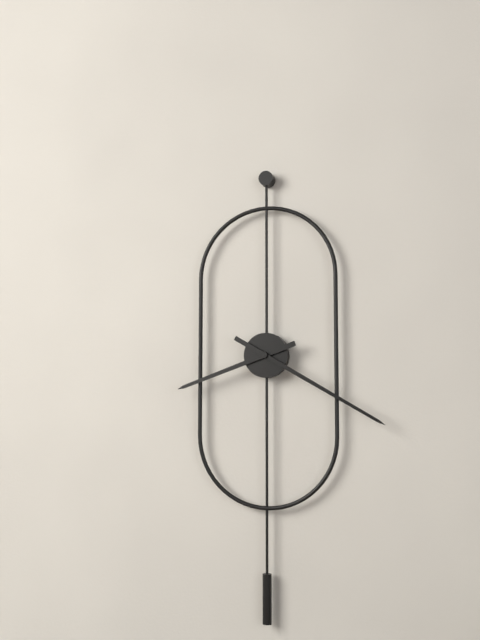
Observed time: 8:20
